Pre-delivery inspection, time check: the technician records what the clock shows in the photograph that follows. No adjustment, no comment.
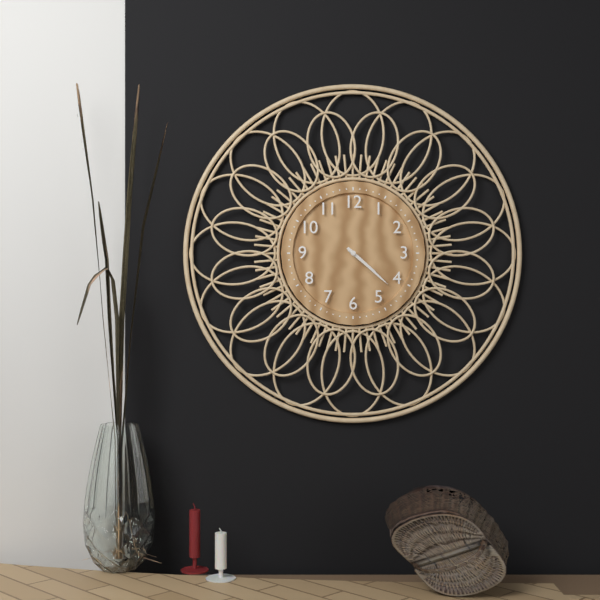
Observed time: 4:22
